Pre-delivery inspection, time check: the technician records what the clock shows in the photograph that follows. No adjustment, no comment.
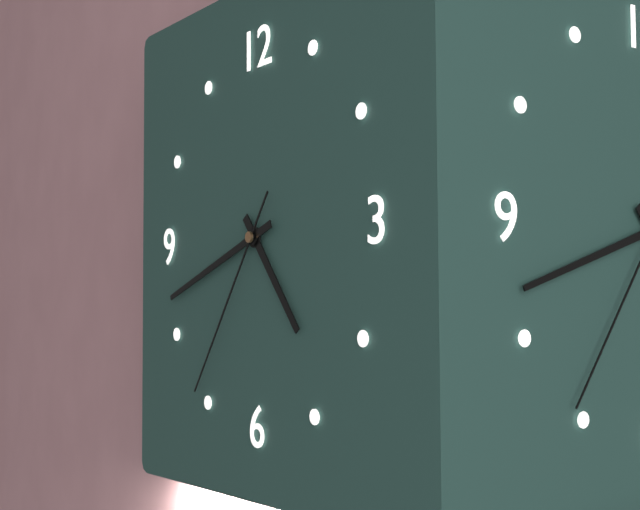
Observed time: 4:42:36
